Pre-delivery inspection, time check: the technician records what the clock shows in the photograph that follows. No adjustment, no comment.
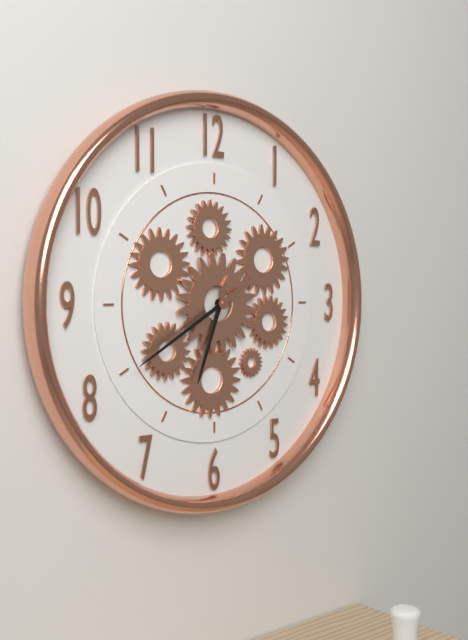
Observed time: 6:40
